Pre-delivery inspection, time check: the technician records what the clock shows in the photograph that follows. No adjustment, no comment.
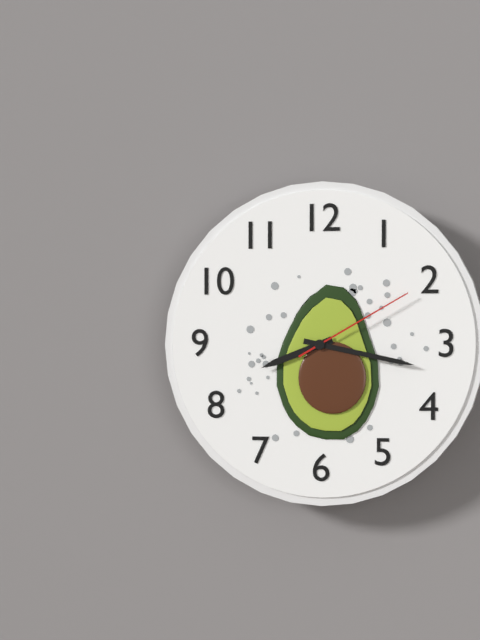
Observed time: 8:17:10
